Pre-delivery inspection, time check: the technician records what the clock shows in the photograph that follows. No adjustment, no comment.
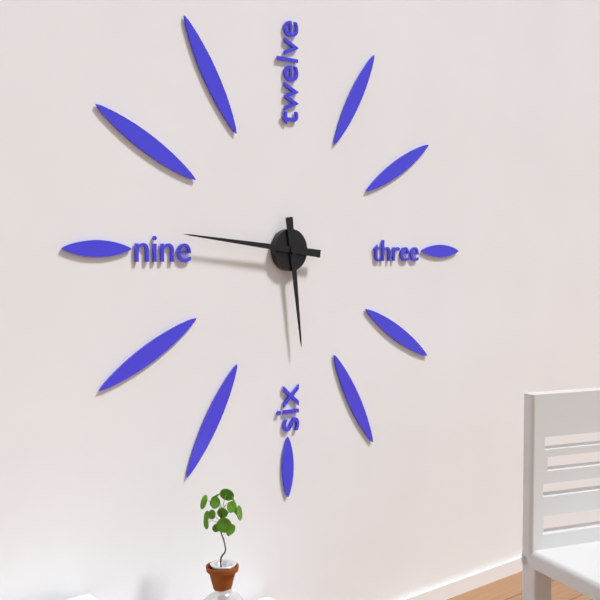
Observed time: 5:46
